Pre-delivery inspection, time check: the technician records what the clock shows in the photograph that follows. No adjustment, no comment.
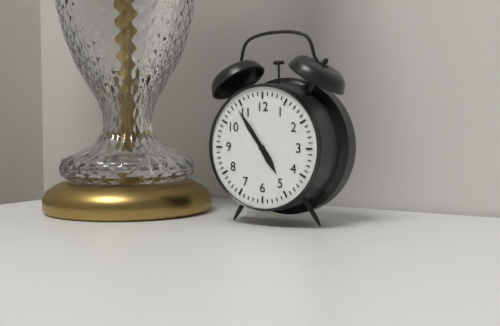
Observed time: 4:54
